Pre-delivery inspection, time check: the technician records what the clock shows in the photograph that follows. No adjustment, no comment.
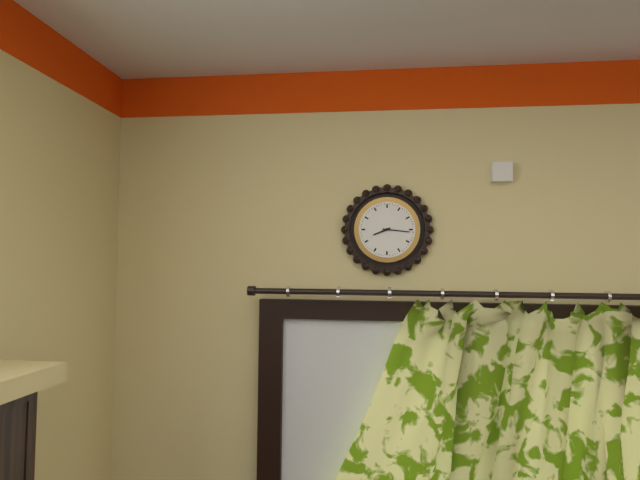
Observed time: 8:16
